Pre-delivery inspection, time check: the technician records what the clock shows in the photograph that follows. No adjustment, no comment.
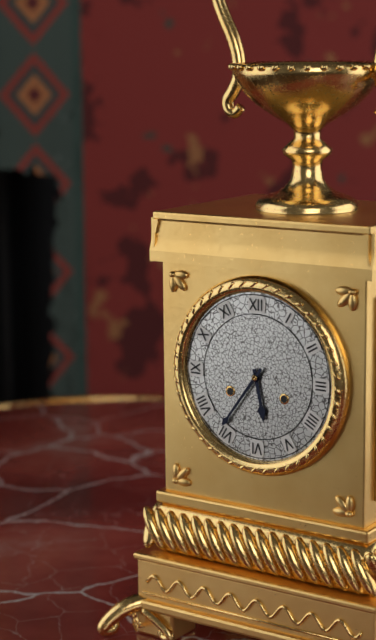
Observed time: 5:36
